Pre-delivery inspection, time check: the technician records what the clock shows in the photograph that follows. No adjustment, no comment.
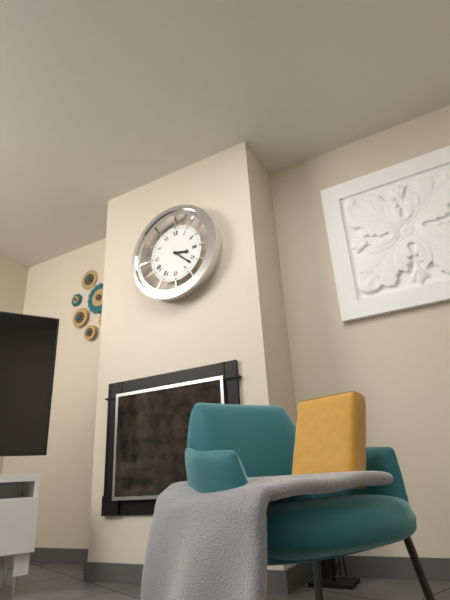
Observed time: 3:22
